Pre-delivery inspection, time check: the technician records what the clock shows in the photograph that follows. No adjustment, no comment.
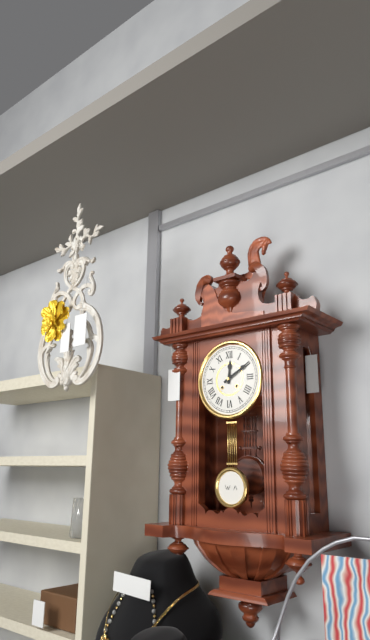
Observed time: 12:10
